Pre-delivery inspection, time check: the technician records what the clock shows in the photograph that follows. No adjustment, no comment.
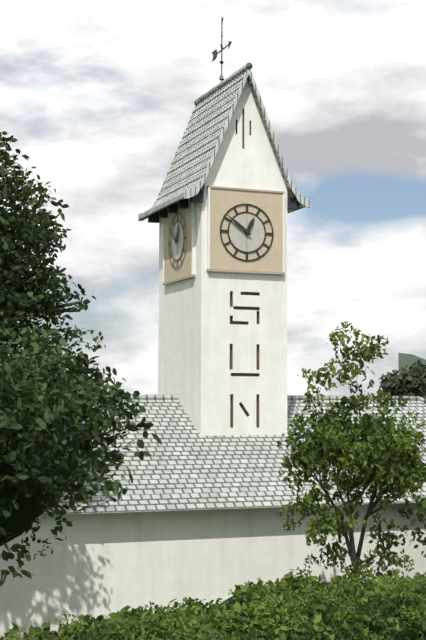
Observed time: 12:51
